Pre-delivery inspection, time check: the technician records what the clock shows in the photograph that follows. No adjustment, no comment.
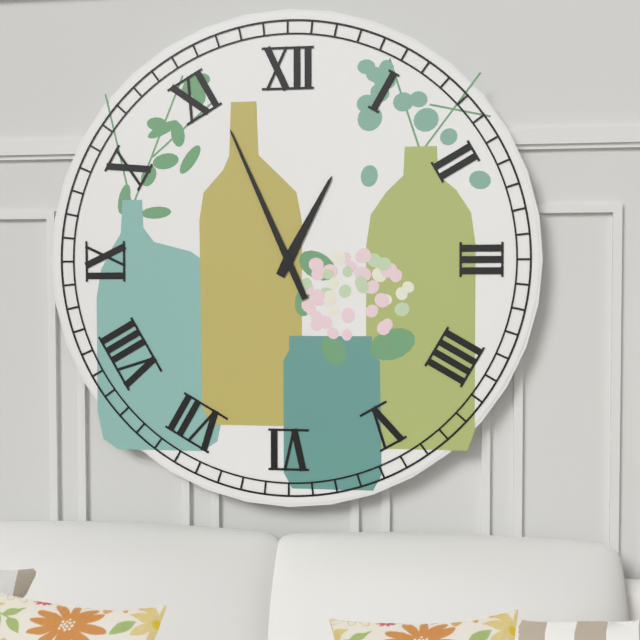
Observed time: 12:56
